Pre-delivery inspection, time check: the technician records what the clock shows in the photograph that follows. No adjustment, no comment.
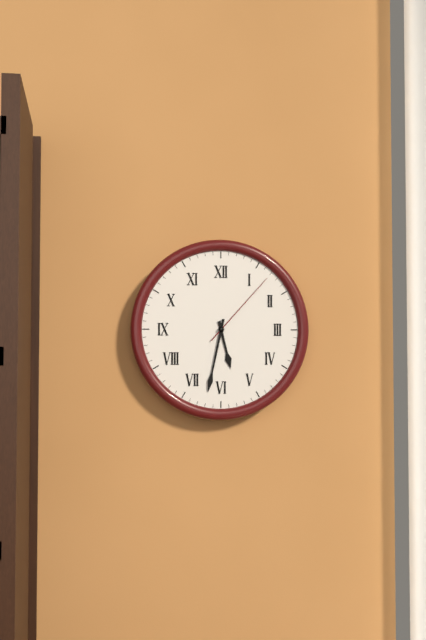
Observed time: 5:32:07
